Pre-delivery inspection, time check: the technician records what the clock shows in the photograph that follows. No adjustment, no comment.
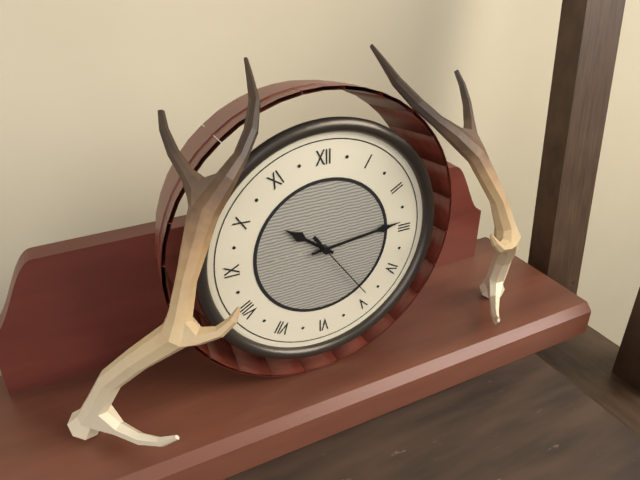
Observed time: 10:14:24
